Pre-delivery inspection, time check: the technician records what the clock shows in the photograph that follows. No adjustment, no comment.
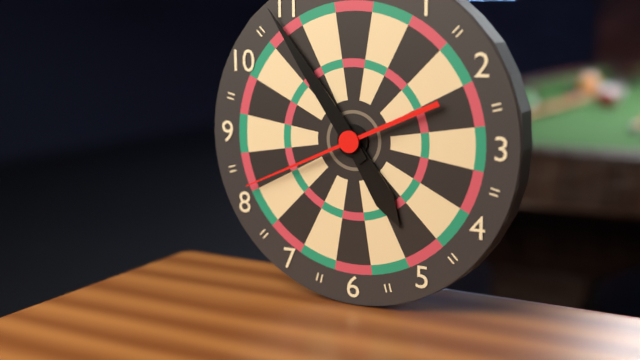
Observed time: 4:54:41
